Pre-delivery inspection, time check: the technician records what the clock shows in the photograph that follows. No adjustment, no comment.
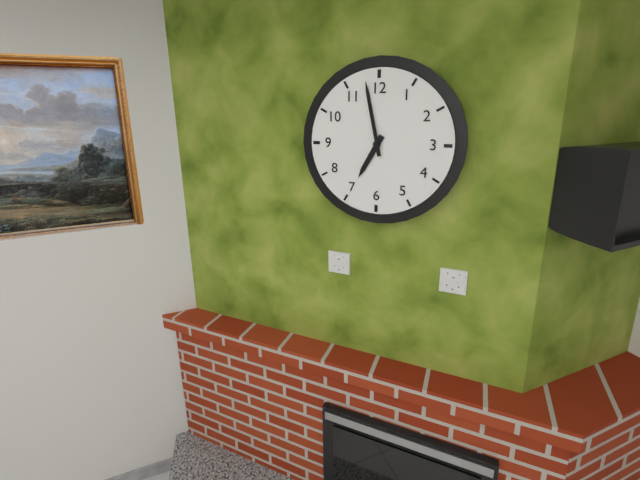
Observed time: 6:58
